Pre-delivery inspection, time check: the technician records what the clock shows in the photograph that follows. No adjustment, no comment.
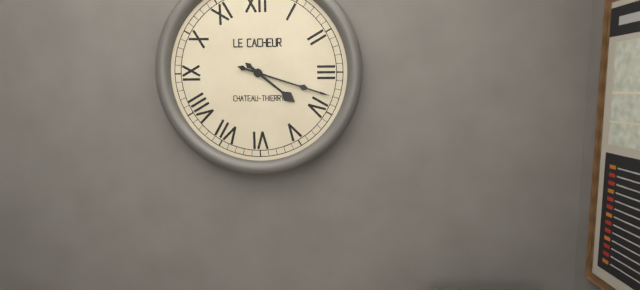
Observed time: 4:18
